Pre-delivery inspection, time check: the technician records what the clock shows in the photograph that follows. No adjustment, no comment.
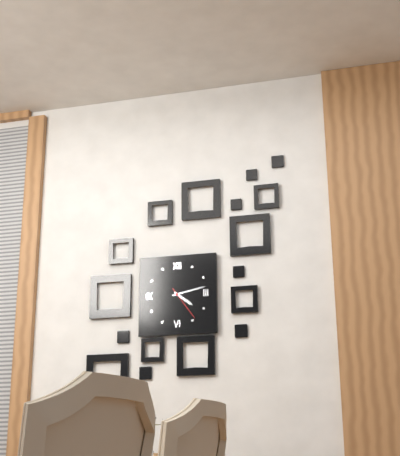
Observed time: 4:13
